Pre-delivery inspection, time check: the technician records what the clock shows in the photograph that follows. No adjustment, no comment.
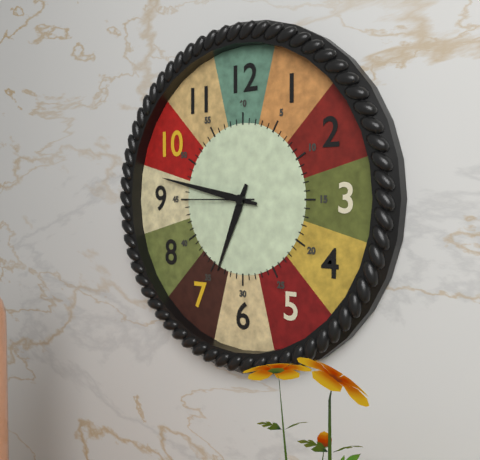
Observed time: 6:47:45
